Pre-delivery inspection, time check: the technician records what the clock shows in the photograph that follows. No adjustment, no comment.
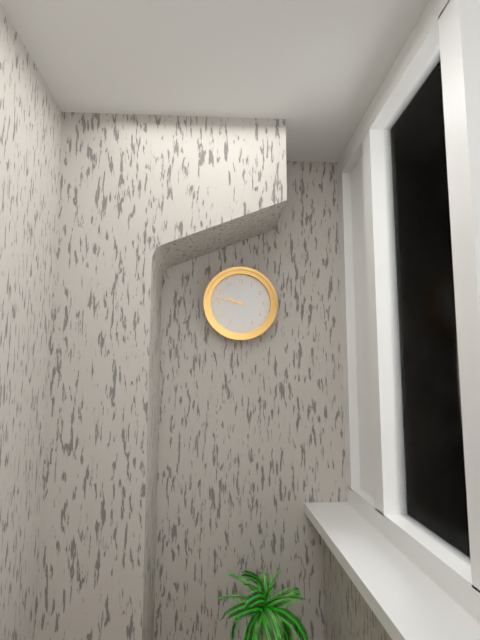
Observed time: 9:47
